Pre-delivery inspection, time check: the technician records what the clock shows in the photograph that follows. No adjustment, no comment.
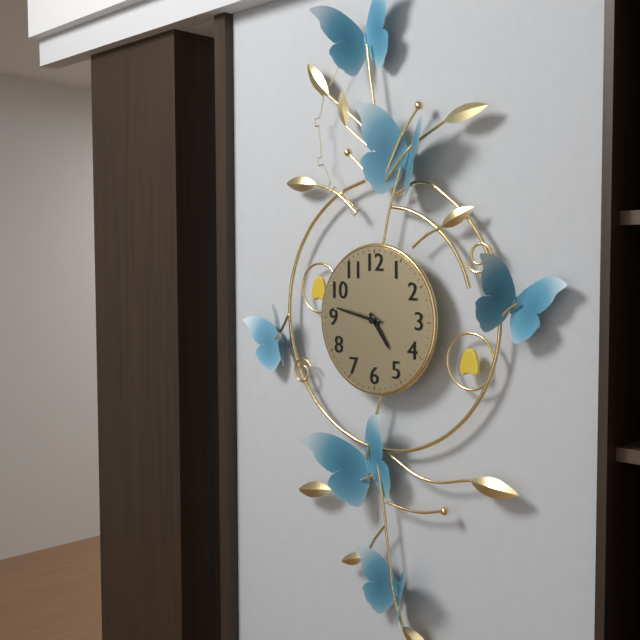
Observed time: 4:47
